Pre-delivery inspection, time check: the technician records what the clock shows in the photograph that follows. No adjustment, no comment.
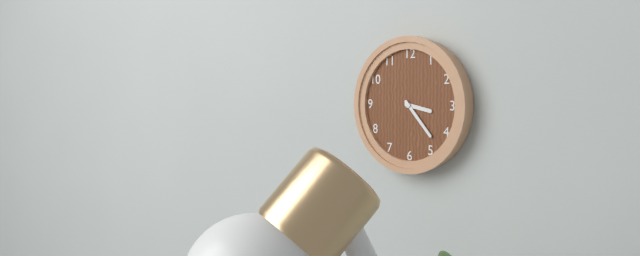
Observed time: 3:23
